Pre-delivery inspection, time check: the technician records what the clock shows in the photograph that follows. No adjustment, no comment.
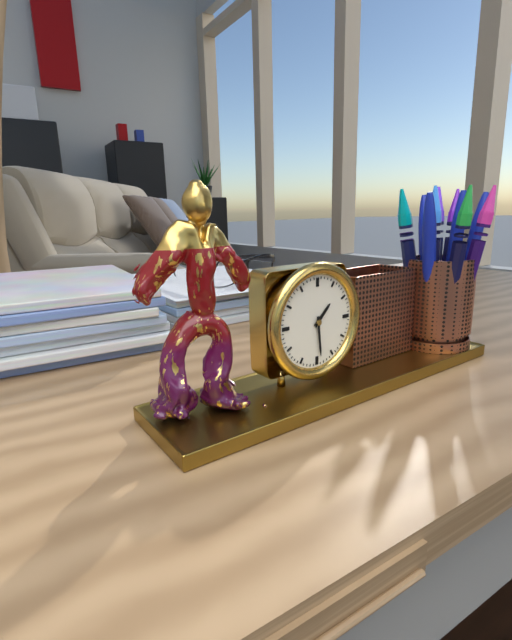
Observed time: 1:29
